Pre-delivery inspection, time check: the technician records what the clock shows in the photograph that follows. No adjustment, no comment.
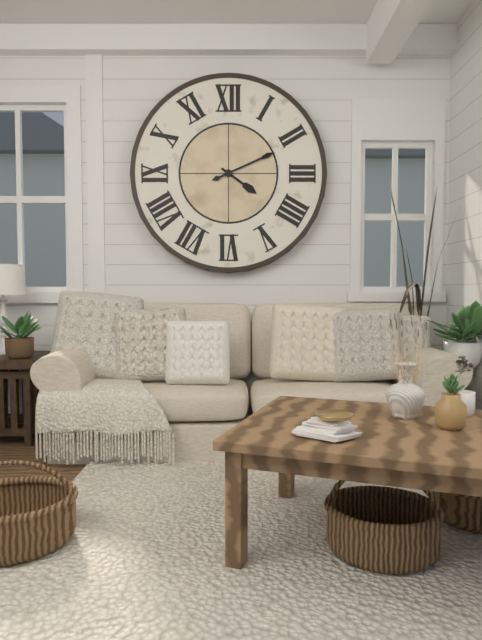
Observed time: 4:11
